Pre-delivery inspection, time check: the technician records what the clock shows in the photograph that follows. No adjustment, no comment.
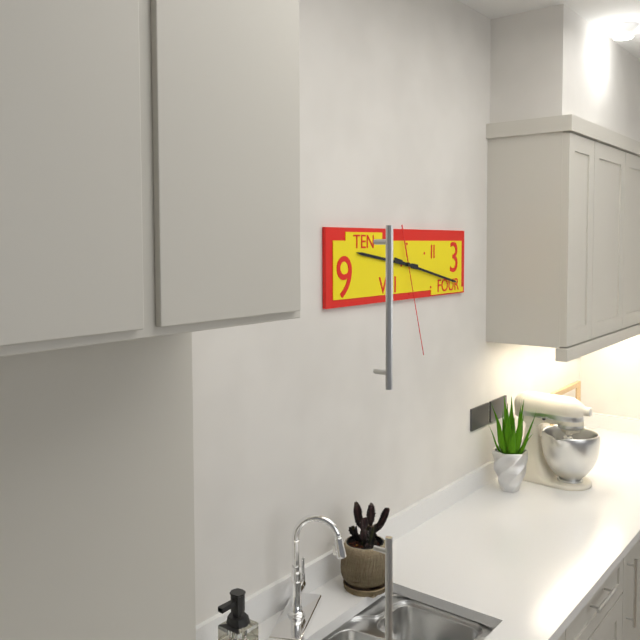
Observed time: 9:17:27
